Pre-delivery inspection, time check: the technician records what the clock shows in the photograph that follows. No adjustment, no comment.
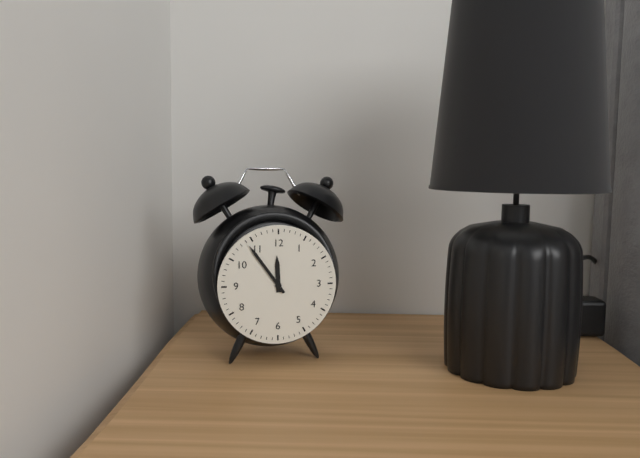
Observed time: 11:54
